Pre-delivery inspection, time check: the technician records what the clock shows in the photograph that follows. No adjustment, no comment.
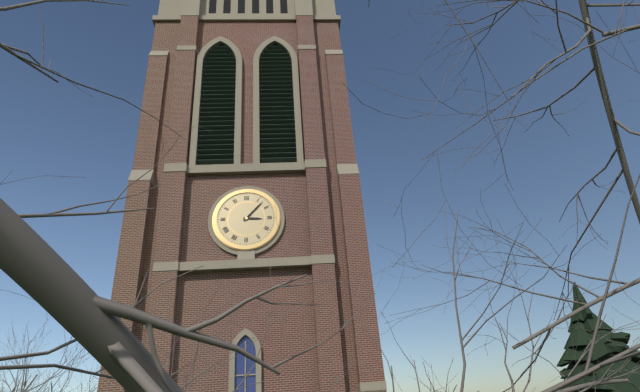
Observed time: 3:07
